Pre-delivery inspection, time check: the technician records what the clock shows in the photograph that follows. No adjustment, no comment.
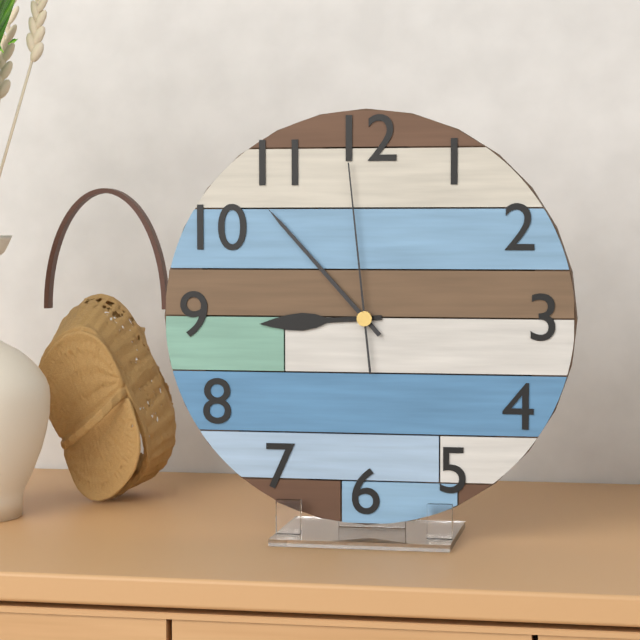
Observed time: 8:53:59
